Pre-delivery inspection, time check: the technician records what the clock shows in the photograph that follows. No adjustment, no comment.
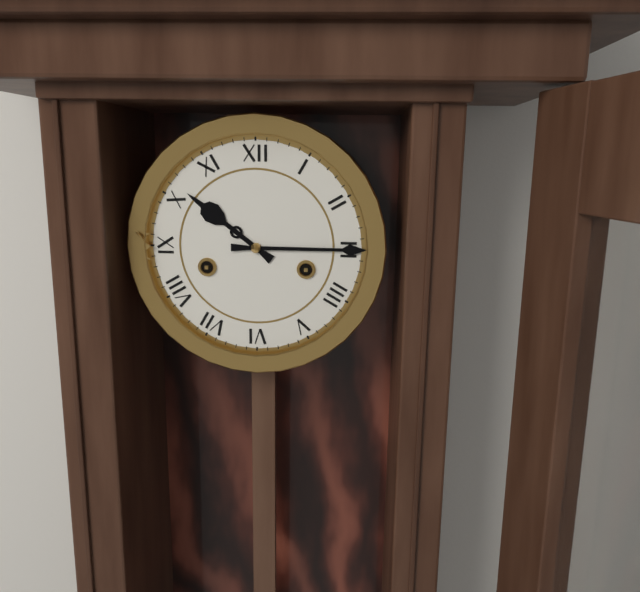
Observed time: 10:15
